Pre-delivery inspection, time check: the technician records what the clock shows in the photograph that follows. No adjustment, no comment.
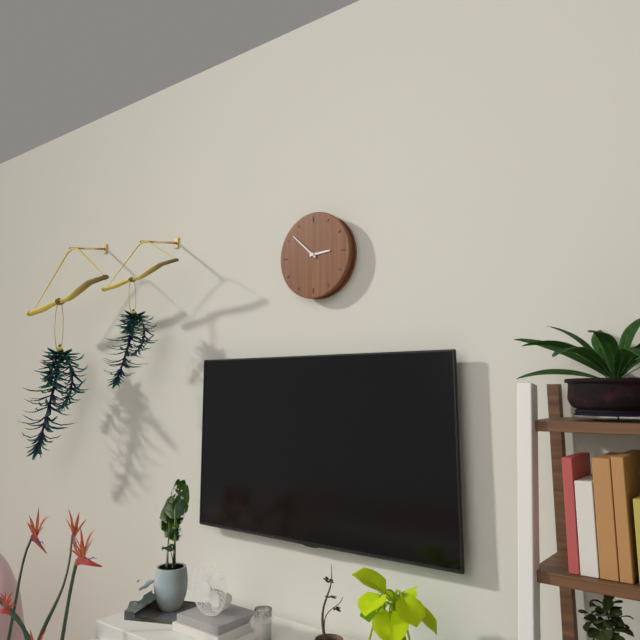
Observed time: 2:52
